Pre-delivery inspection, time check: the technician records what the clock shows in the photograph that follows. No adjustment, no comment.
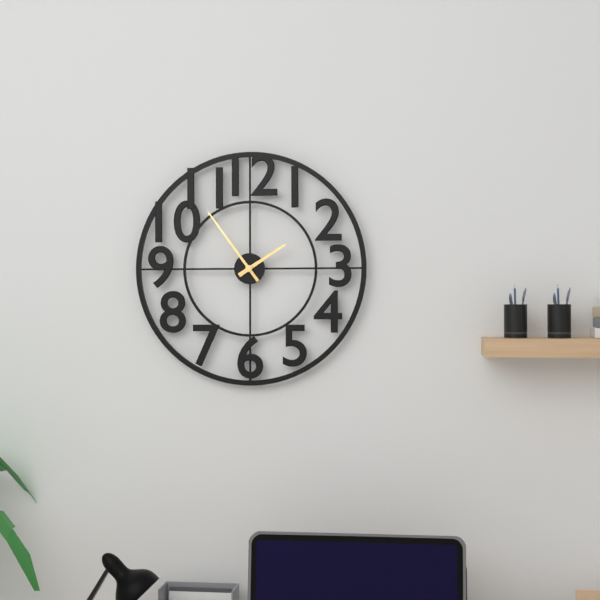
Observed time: 1:54
